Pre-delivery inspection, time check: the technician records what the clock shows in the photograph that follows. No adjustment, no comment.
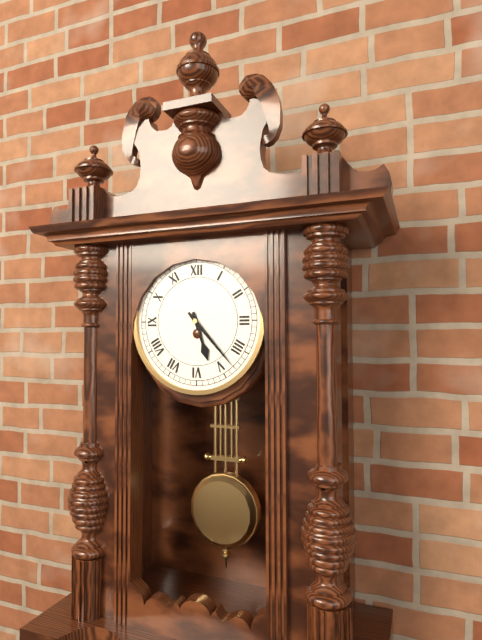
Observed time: 5:23
